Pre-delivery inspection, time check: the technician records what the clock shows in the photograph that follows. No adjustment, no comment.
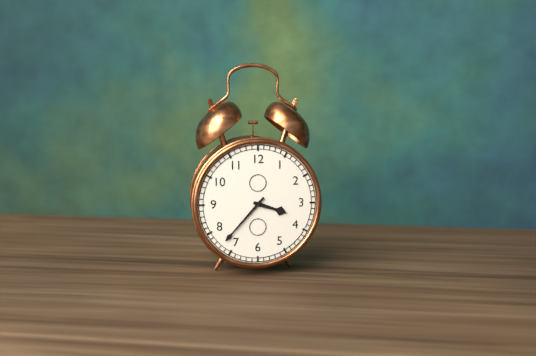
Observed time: 3:37
